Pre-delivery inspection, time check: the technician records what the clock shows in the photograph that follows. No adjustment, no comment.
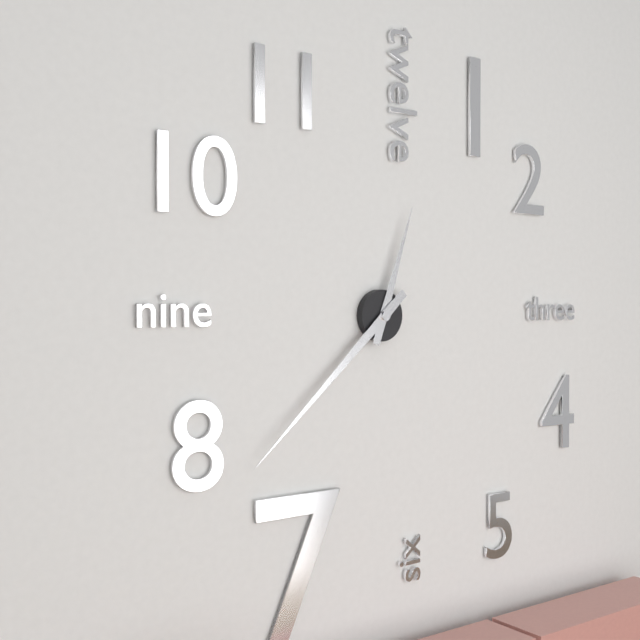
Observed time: 12:38
